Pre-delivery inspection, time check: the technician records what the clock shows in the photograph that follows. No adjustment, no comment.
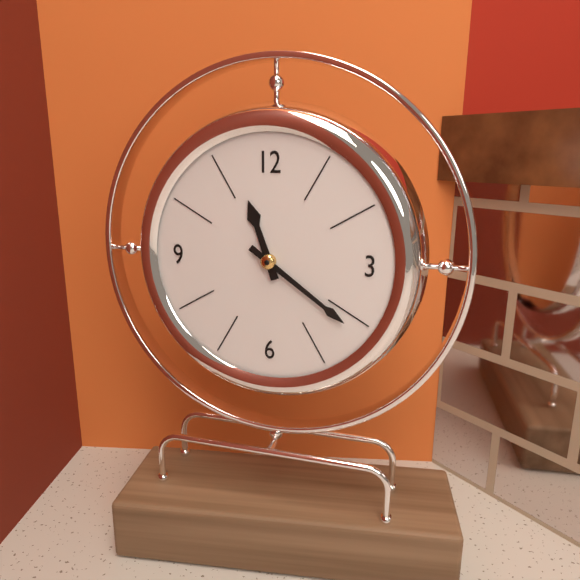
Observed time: 11:21
